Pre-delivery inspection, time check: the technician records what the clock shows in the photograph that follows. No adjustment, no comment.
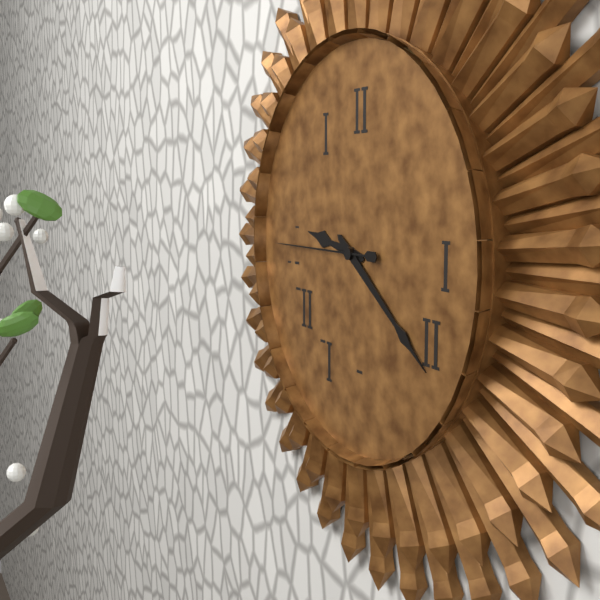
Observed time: 9:21:45
